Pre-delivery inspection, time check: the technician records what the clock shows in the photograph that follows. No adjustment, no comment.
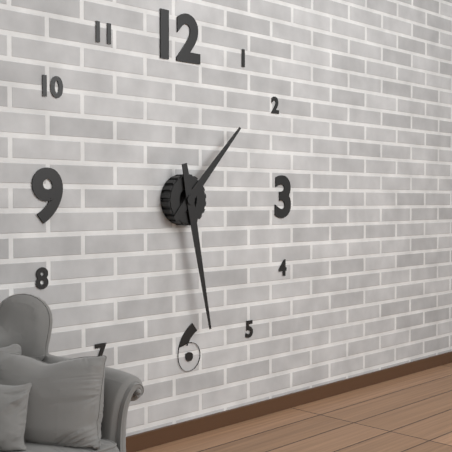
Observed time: 1:28
